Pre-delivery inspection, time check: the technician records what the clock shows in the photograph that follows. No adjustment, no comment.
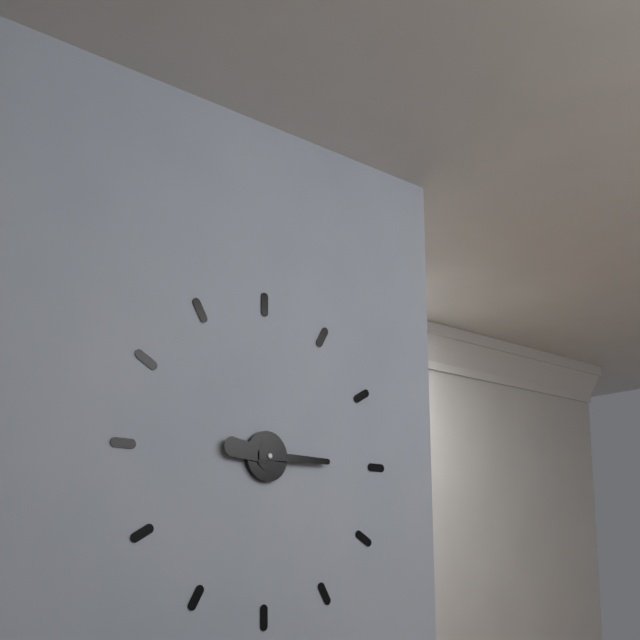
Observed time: 9:15
